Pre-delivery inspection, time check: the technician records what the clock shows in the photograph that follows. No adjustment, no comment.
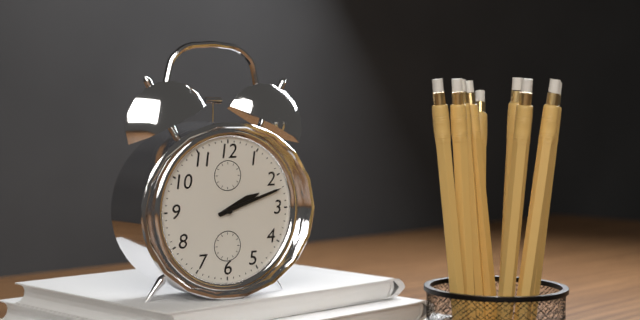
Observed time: 2:12
